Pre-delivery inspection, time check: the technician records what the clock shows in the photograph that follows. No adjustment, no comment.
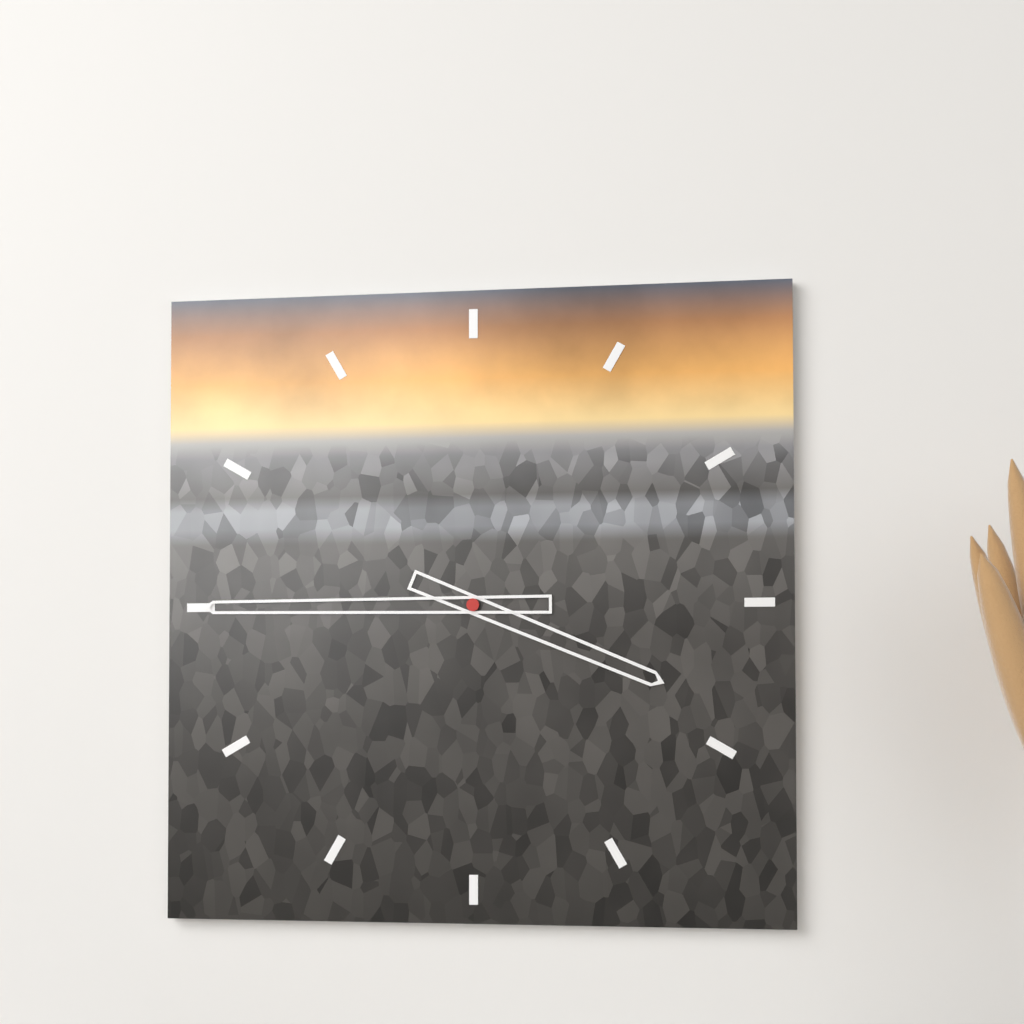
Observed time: 3:45
